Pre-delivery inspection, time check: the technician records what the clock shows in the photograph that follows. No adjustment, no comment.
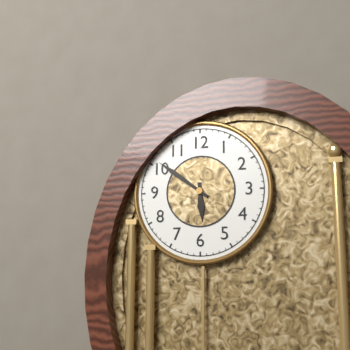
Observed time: 5:51
